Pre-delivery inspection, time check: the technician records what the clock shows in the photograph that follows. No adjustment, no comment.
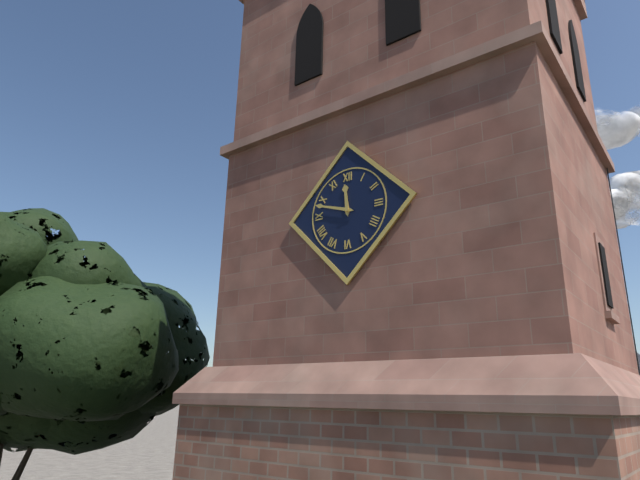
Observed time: 11:48
